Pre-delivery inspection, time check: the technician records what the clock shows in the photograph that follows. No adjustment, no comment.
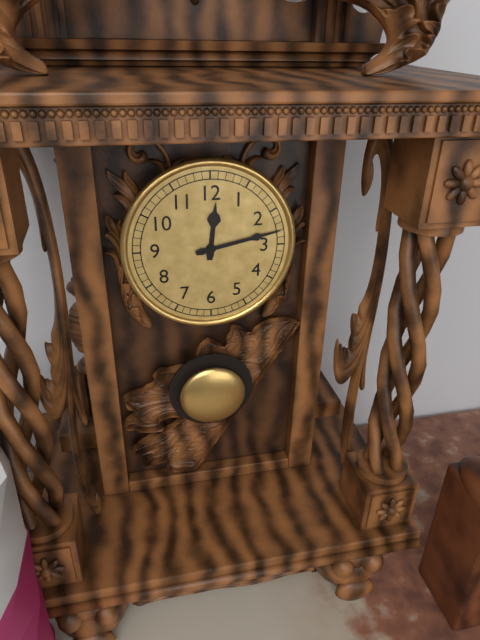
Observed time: 12:13
